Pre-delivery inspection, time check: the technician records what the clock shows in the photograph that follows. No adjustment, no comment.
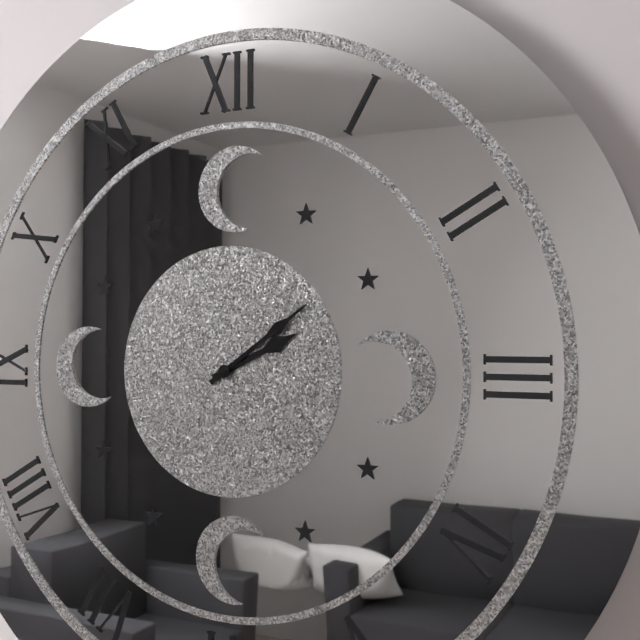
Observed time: 2:09
